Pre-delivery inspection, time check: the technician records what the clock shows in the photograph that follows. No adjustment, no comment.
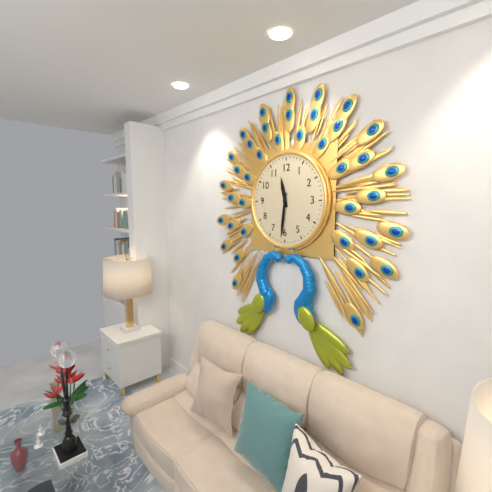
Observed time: 11:31
